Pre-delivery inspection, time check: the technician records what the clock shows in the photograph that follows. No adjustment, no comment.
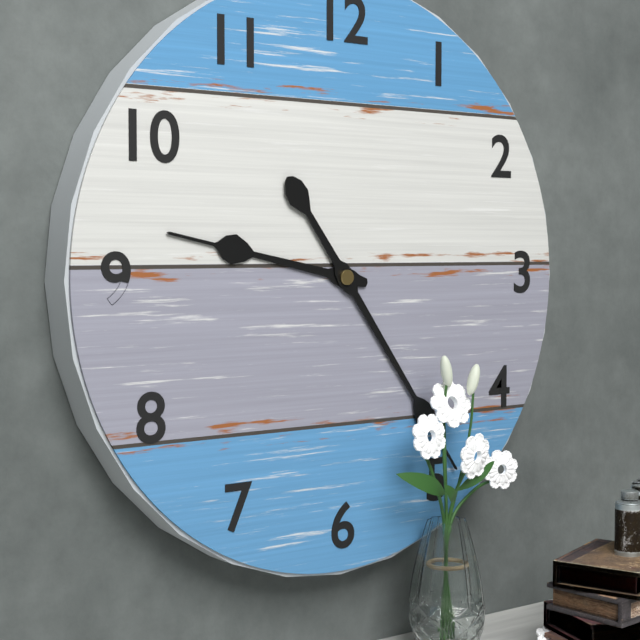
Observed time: 9:24
